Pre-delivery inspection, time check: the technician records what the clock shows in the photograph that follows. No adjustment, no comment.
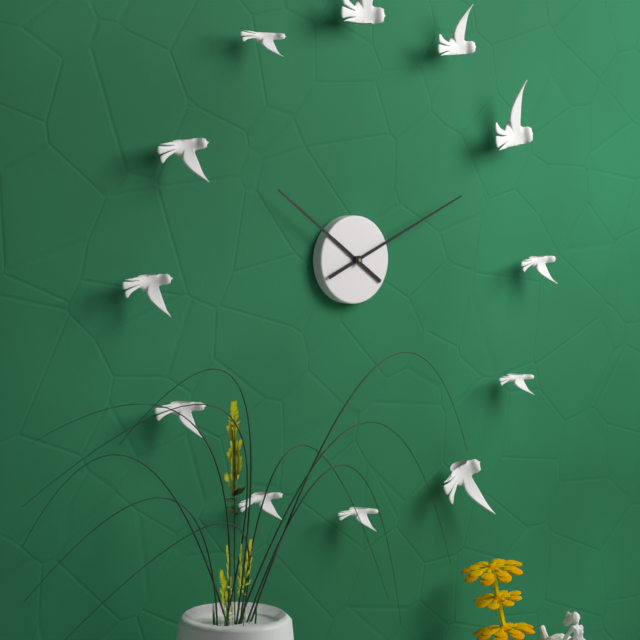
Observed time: 10:11
